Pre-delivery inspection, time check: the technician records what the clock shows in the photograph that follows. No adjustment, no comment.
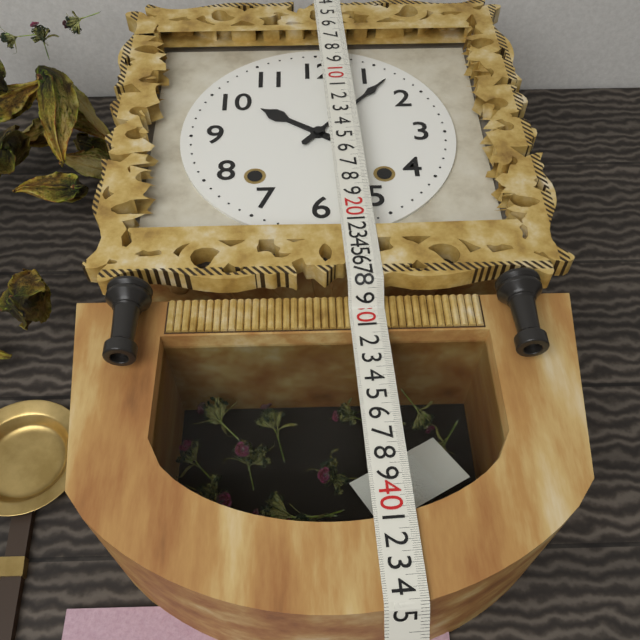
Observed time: 10:07
